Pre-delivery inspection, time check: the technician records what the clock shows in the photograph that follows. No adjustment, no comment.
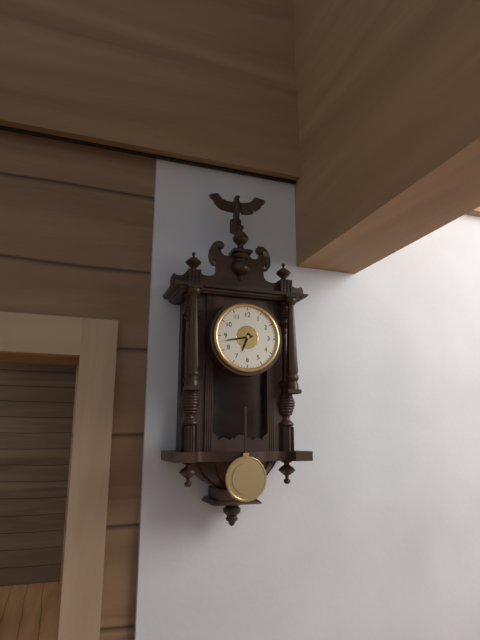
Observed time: 6:43
